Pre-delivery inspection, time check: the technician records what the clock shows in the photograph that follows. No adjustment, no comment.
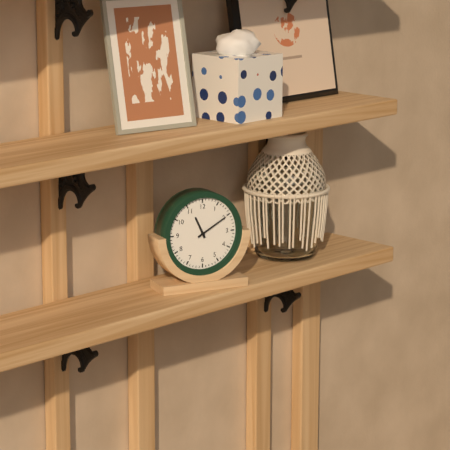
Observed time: 11:10
